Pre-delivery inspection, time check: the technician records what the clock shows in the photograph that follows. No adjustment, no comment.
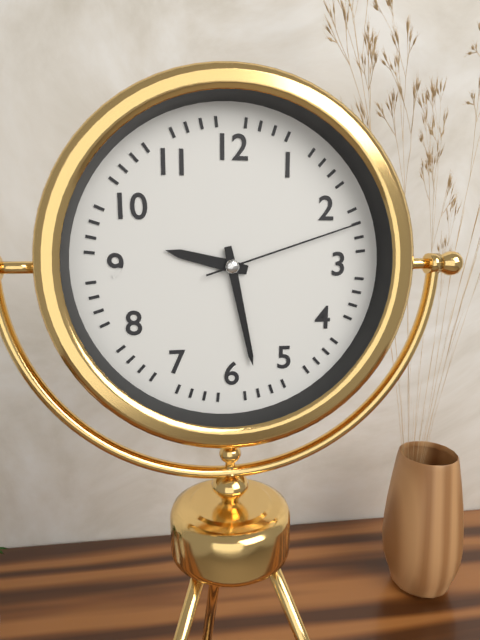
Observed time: 9:28:12
